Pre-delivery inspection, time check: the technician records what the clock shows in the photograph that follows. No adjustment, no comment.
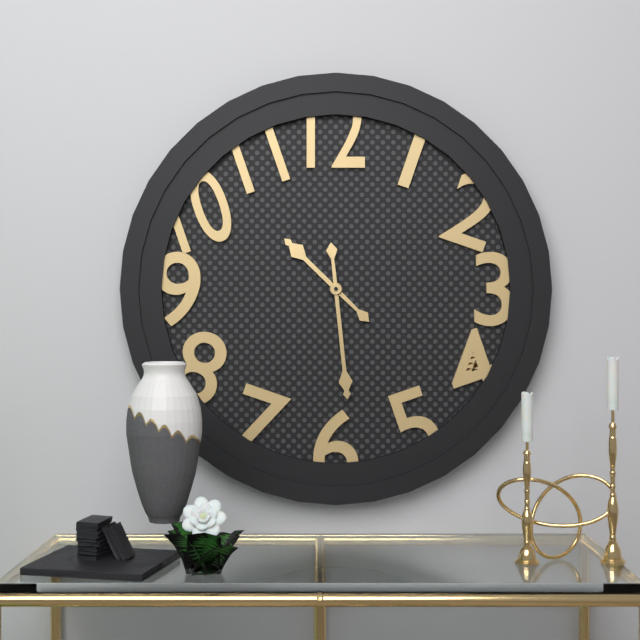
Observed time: 10:29
